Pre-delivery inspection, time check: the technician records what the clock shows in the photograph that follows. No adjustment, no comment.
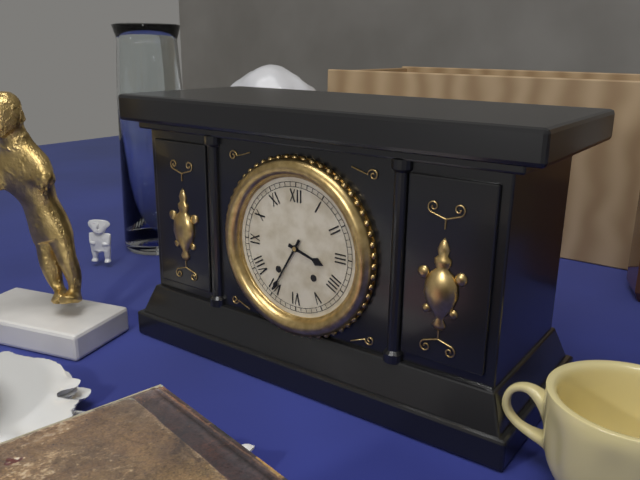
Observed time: 3:35
